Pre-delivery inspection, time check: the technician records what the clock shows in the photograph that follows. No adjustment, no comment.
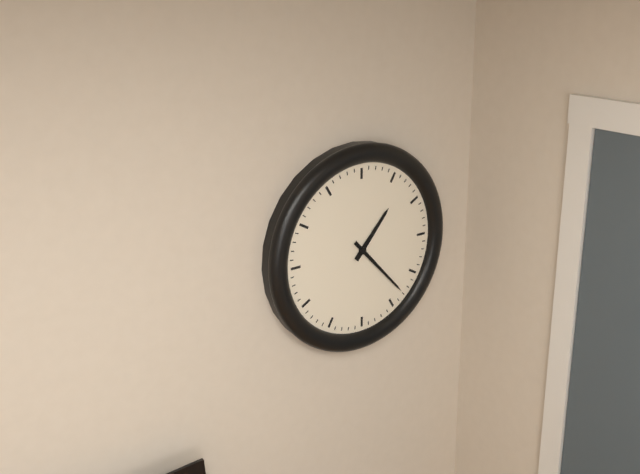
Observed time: 1:23
